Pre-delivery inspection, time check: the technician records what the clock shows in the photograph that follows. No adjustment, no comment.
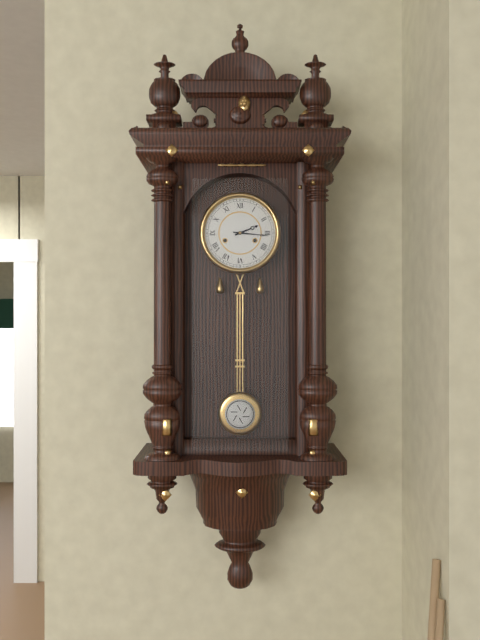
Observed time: 2:16
